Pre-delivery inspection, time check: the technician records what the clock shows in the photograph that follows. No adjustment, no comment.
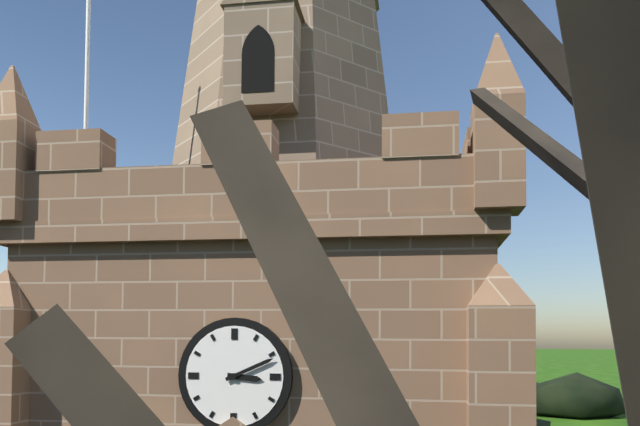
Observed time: 3:11
